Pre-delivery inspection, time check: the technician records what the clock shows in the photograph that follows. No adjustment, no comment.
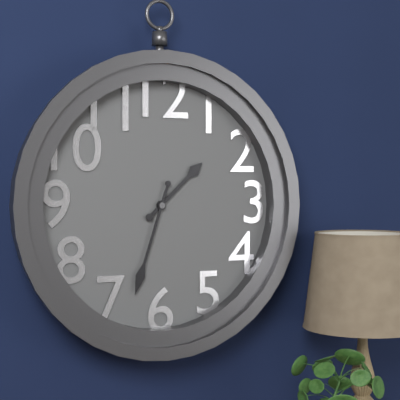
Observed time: 1:33
